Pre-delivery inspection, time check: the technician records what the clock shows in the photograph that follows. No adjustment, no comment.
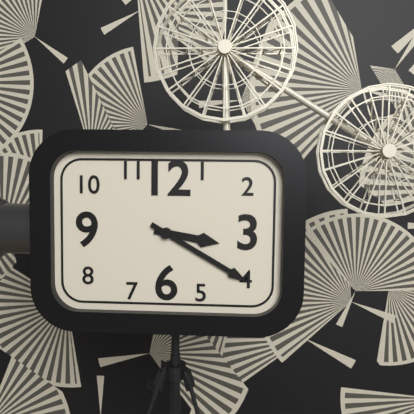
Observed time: 3:20
